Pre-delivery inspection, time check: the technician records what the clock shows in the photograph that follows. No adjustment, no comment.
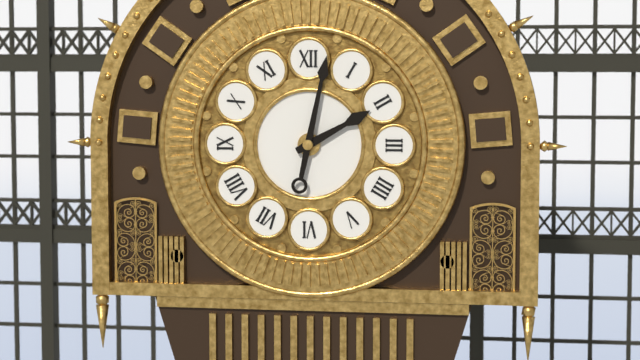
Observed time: 2:02
